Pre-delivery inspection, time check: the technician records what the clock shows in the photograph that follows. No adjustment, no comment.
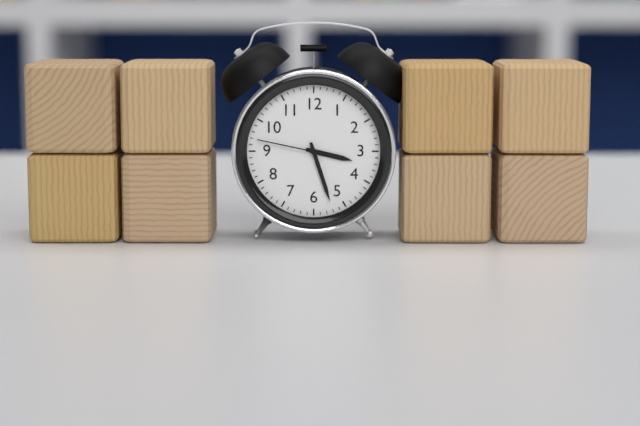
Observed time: 3:27:47
